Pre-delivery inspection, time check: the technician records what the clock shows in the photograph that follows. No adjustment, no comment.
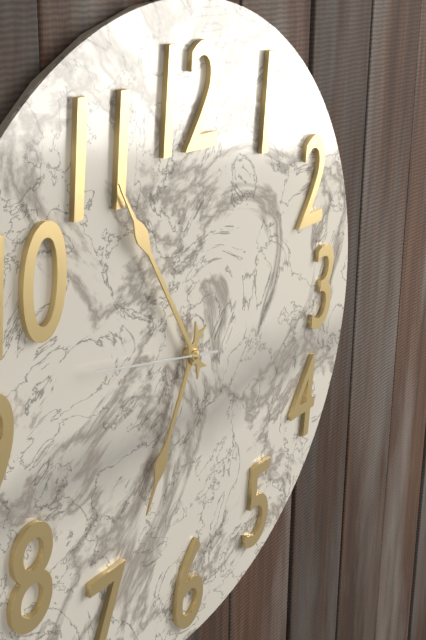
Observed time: 6:55:47
